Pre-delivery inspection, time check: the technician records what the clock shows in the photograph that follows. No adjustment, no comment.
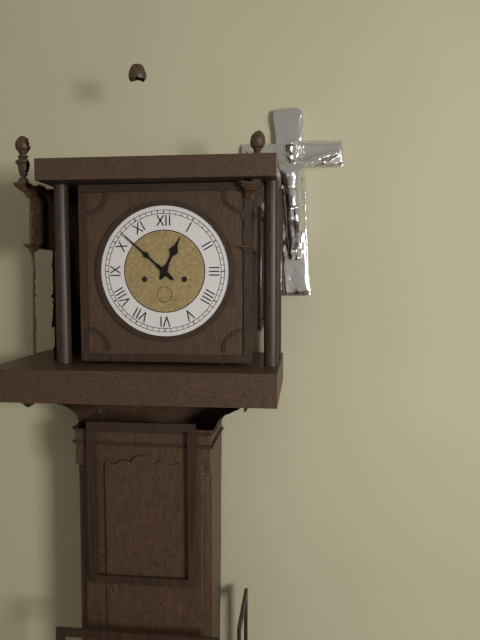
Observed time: 12:52
